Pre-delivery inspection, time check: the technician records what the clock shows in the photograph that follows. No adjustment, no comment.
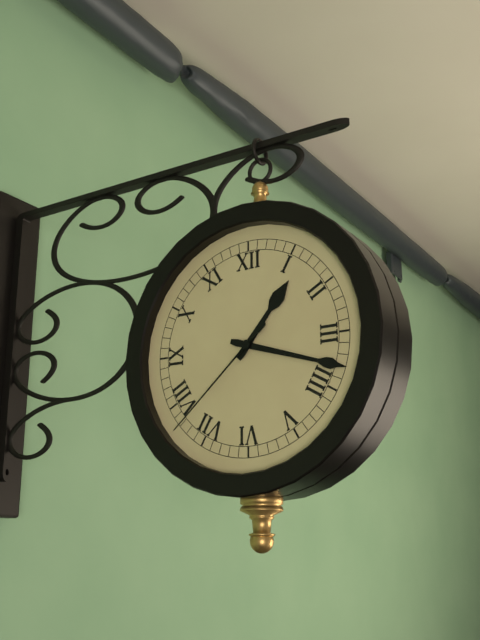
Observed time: 1:18:38
